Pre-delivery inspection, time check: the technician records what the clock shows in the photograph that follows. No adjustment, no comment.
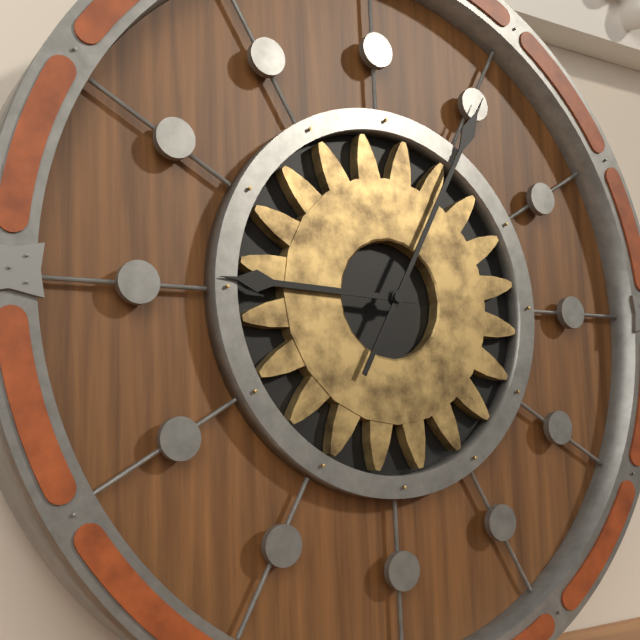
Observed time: 9:05
